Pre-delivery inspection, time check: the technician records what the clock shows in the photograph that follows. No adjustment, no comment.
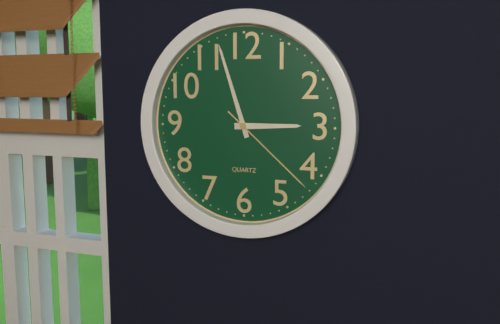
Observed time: 2:57:22
